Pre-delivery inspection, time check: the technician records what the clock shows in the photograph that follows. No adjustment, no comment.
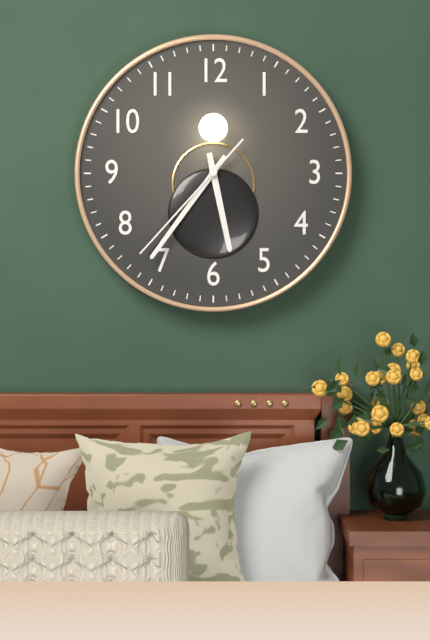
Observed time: 5:36:37
